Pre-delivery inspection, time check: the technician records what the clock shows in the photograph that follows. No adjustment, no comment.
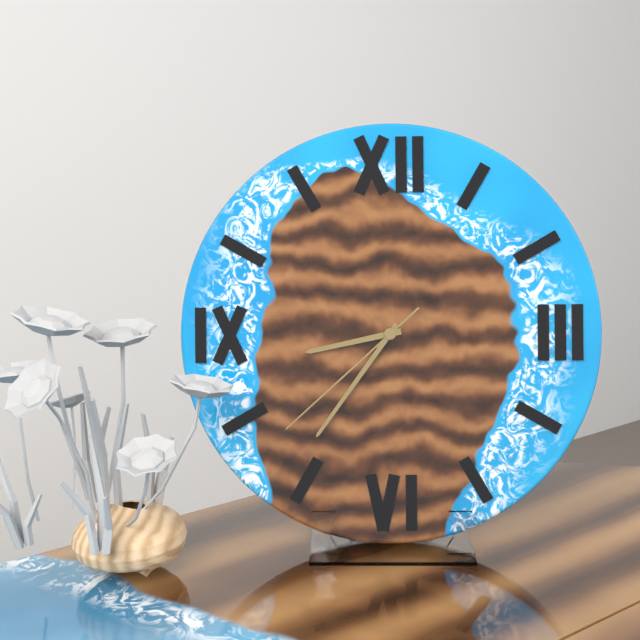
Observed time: 8:36:38
